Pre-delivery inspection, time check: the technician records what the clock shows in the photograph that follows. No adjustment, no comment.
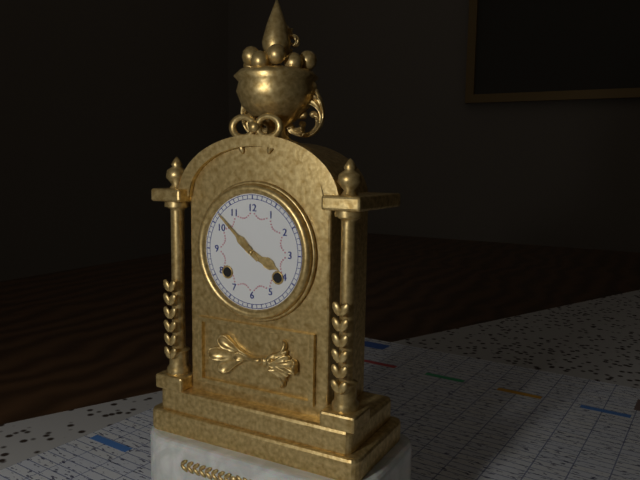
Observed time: 3:52
